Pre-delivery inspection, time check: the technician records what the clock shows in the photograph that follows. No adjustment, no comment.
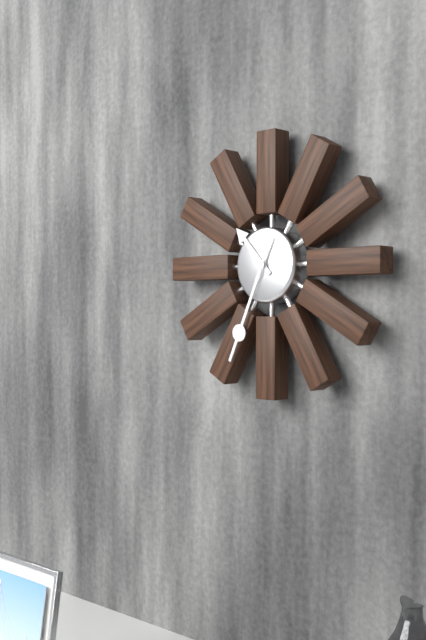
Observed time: 10:34
